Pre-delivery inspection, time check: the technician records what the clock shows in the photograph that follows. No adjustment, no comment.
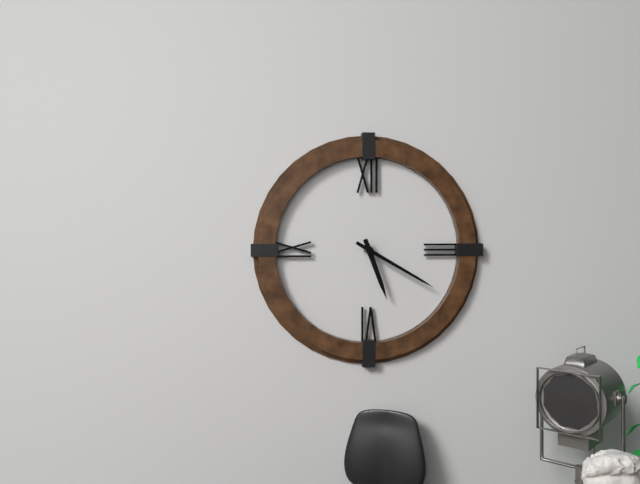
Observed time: 5:20
